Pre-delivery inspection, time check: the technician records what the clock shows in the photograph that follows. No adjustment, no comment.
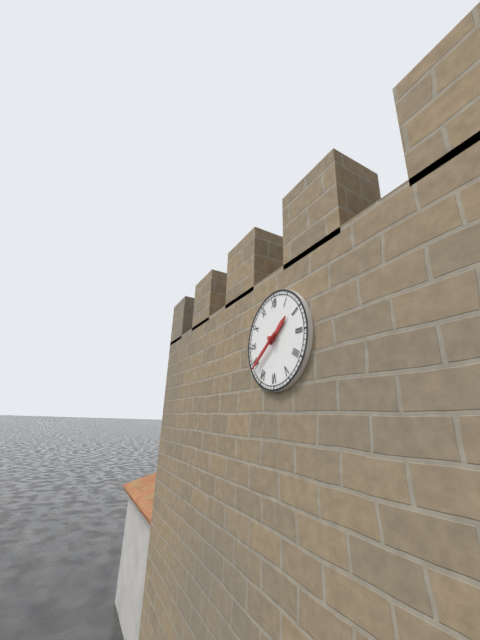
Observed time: 1:39
